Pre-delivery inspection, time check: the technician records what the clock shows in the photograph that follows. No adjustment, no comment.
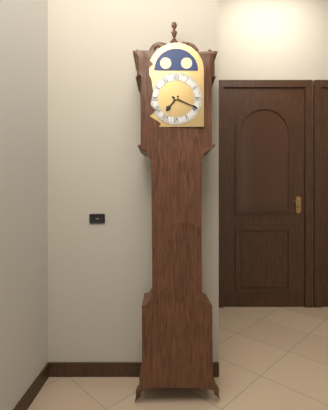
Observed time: 7:19
